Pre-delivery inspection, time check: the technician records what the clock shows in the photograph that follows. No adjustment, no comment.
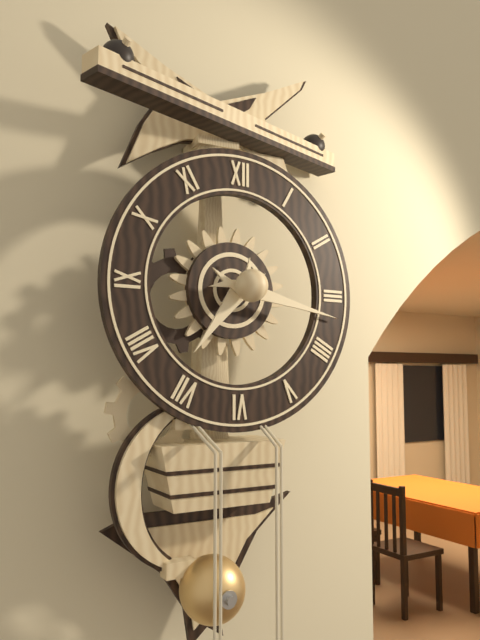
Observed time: 7:17
